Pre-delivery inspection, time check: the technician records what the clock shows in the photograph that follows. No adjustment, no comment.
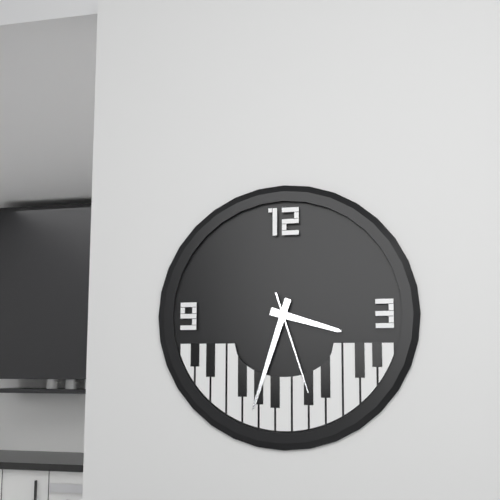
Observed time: 3:33:27
